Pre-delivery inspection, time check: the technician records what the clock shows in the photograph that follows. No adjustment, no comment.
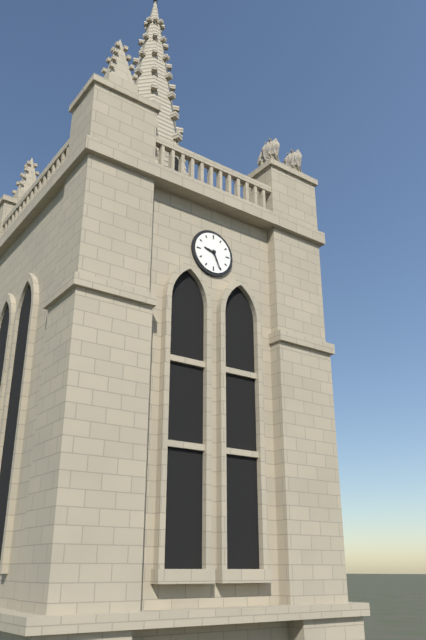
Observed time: 9:26
